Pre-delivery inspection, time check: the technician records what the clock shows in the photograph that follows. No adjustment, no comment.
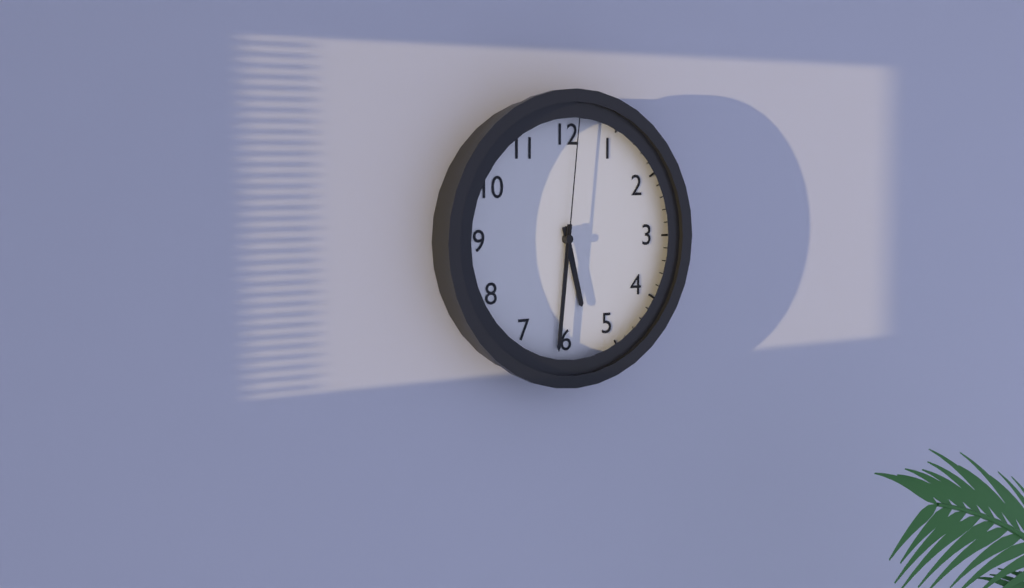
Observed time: 5:31:01
